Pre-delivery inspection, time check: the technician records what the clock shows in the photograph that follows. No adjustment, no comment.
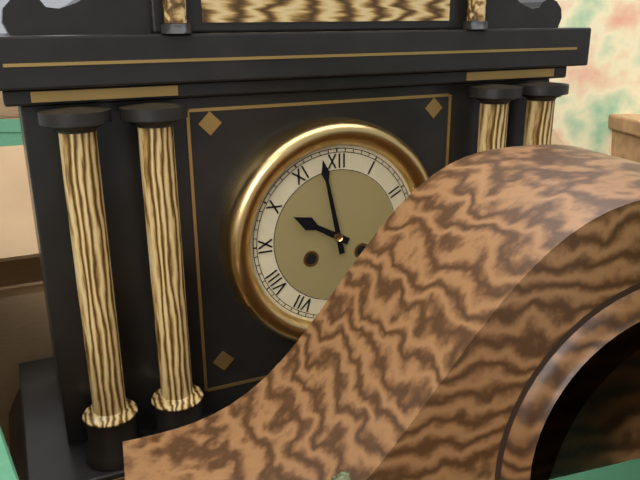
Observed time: 9:58
